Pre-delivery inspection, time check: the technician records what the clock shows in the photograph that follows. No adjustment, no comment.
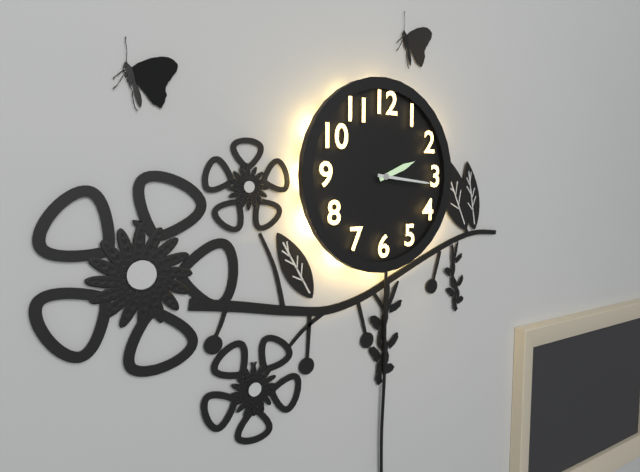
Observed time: 2:16
